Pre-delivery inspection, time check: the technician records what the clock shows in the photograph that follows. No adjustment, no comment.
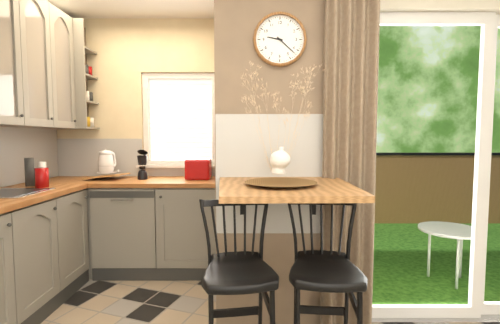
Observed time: 9:22
